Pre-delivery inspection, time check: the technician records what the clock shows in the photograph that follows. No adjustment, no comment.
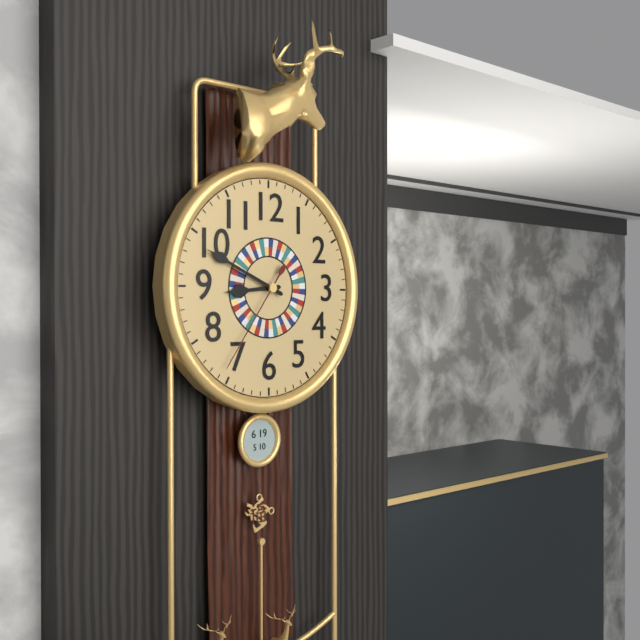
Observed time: 8:49:36
